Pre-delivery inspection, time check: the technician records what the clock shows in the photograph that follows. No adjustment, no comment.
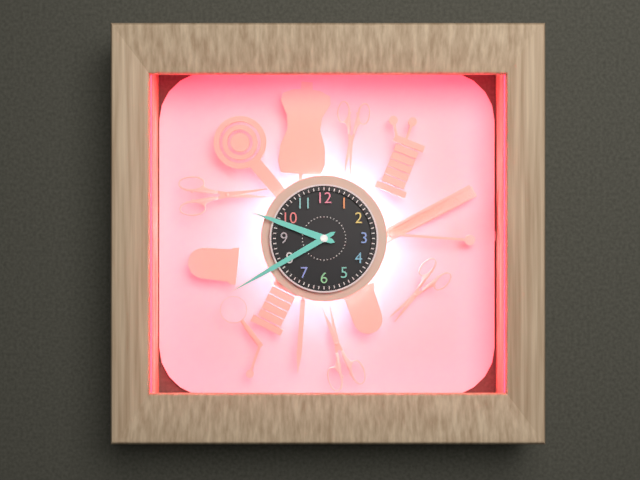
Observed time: 9:40
